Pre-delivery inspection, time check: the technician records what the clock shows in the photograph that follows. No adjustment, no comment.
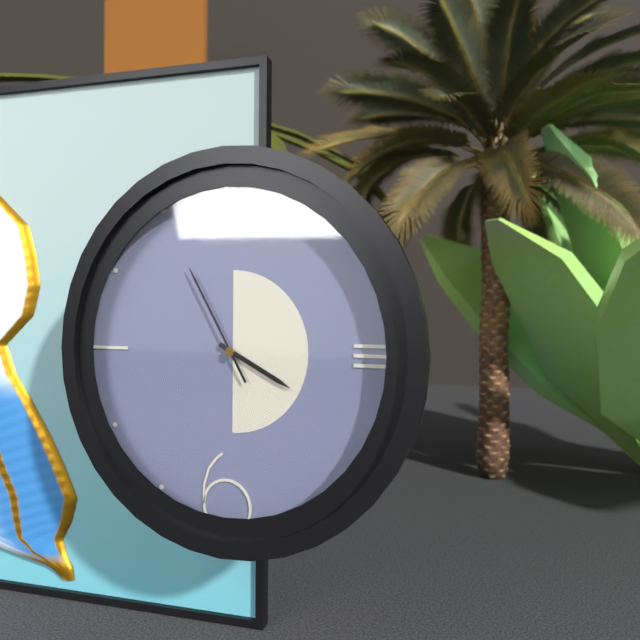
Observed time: 3:55
